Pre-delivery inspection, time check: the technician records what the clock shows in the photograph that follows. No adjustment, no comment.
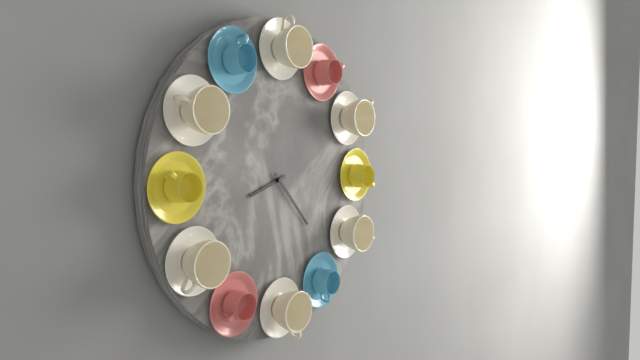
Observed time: 8:23
